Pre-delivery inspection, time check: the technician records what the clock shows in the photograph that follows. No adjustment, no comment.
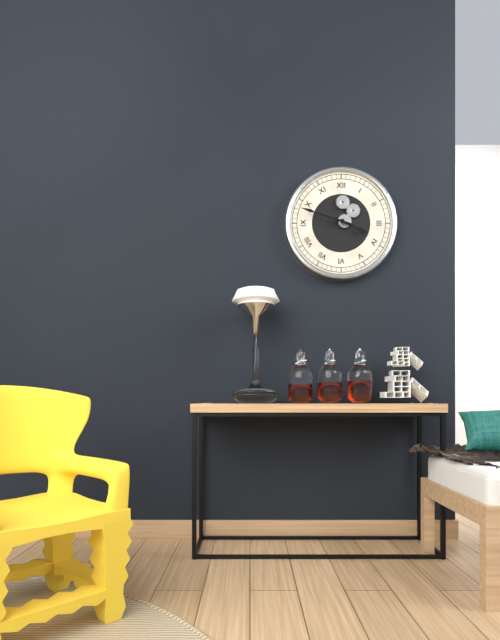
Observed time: 3:48
